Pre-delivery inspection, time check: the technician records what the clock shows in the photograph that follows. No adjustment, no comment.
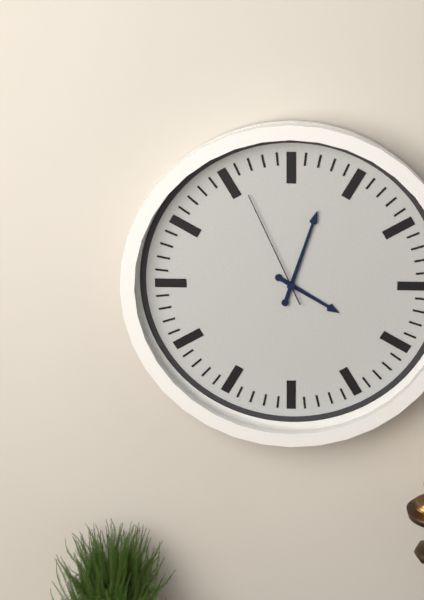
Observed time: 4:03:56
